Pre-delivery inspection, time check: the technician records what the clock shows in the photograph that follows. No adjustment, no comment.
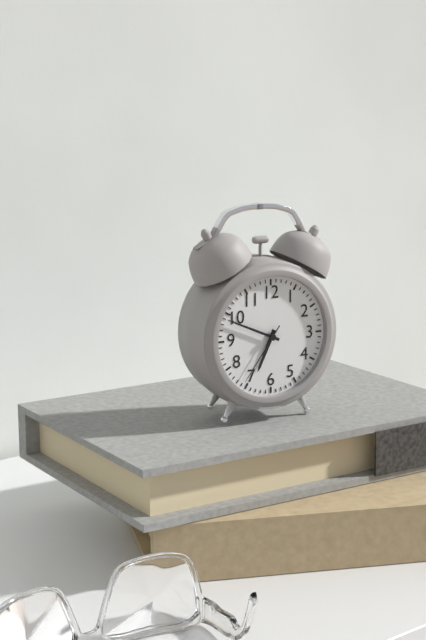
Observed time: 6:49:36
